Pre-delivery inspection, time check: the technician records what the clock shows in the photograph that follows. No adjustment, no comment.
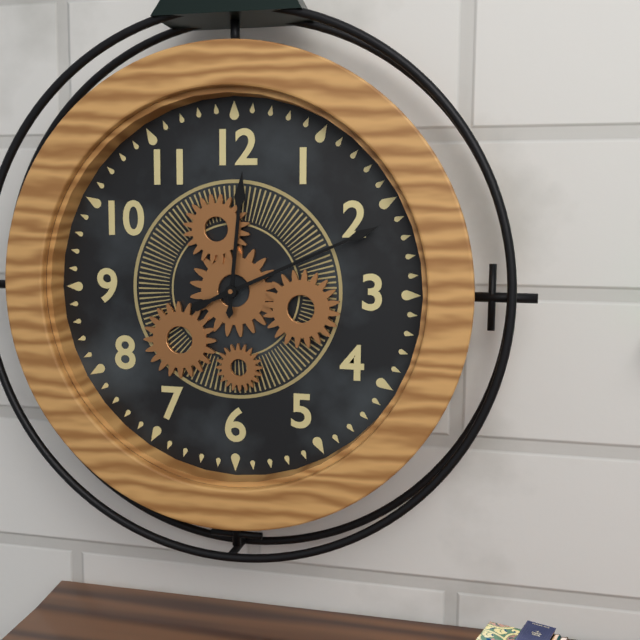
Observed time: 12:11
